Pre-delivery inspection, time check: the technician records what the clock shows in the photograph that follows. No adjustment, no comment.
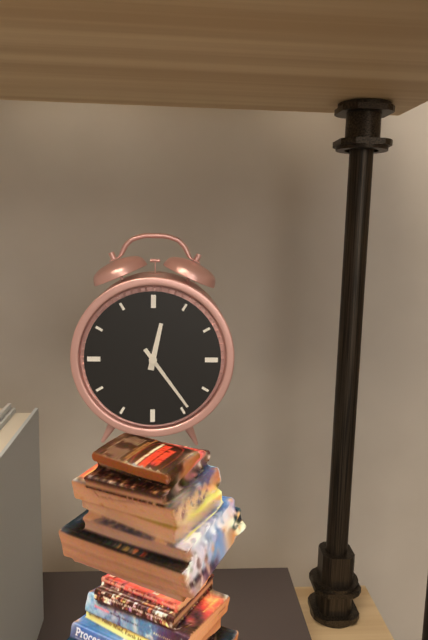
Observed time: 12:24
